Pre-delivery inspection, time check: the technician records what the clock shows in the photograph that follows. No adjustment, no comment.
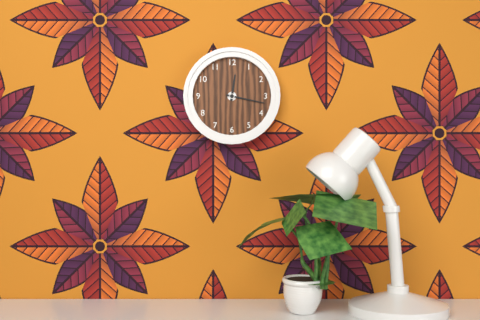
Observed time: 12:17
